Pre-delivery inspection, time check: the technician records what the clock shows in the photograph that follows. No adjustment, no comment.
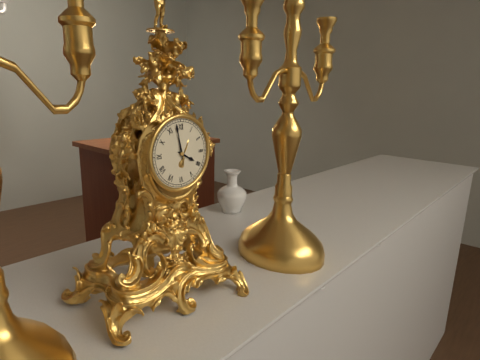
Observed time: 3:58
